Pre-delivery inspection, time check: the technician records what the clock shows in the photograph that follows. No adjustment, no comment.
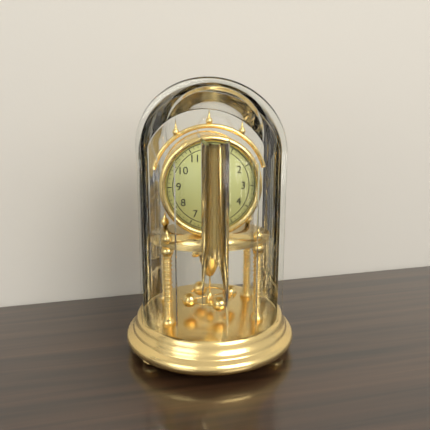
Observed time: 4:32
